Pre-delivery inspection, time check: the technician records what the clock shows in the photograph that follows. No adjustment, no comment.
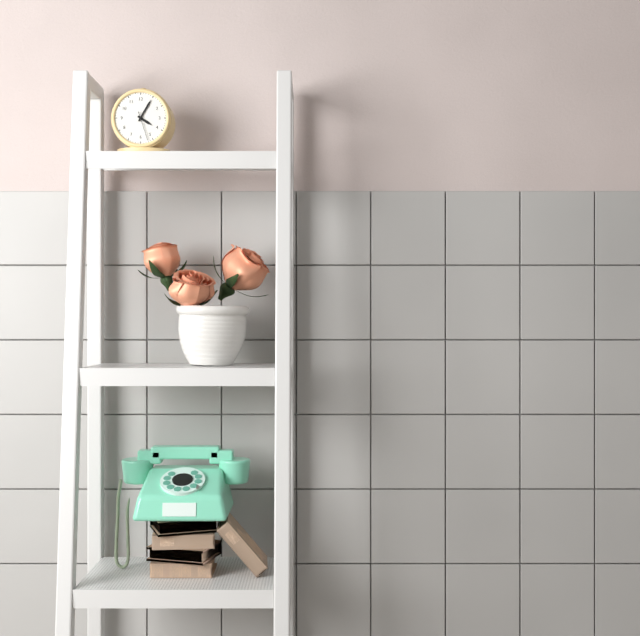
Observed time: 4:05
